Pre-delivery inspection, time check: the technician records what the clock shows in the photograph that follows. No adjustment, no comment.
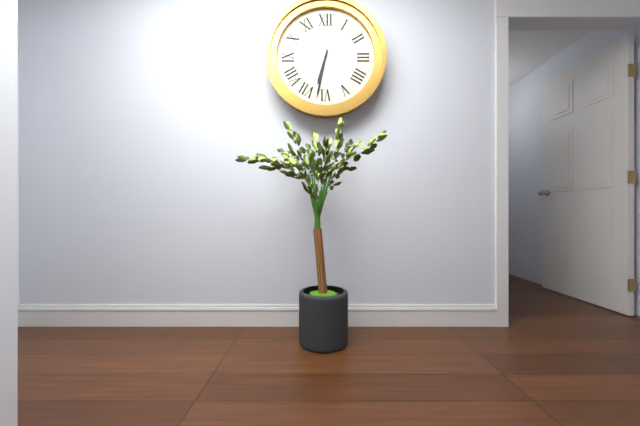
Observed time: 6:32
